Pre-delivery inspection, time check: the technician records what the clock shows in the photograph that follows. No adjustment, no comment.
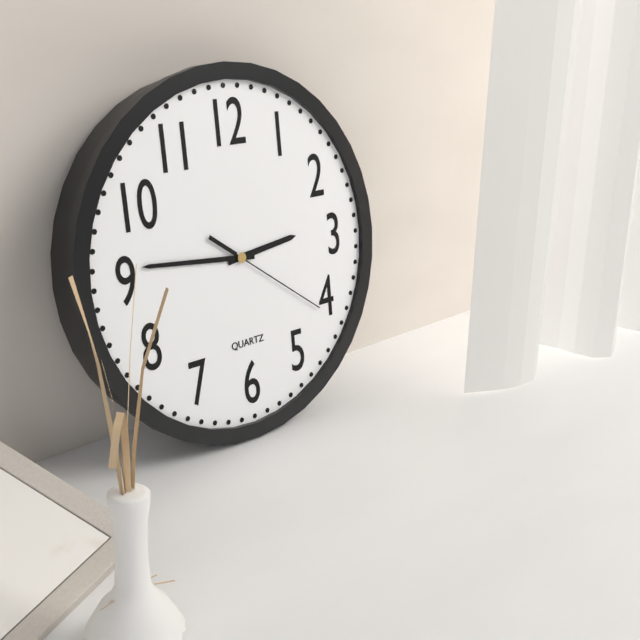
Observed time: 2:46:21
